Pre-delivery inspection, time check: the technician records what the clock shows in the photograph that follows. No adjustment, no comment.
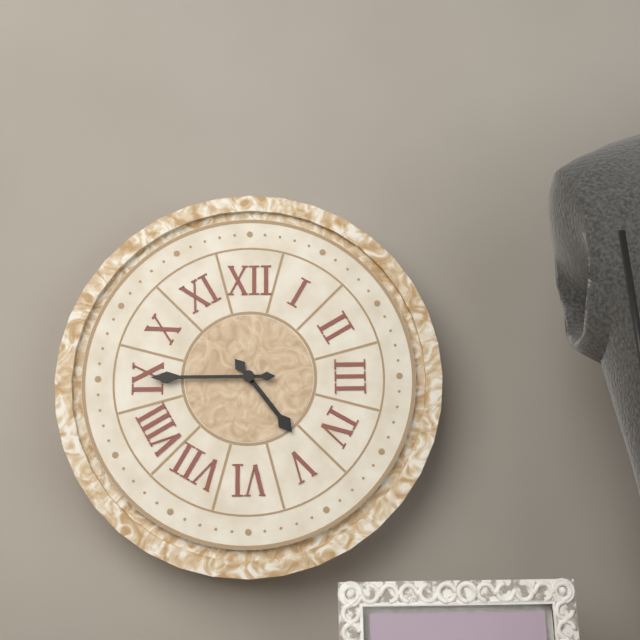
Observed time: 4:45
